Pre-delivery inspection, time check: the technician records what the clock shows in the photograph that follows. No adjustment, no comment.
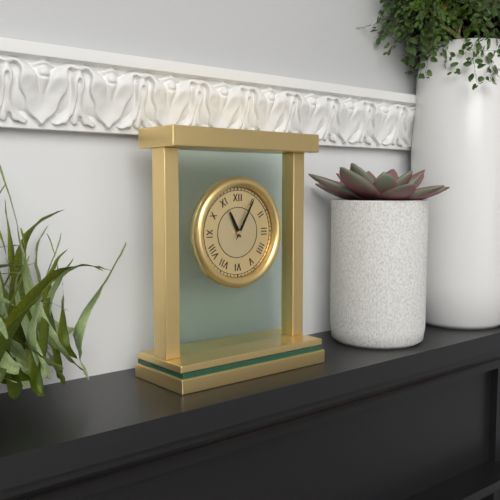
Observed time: 11:05
